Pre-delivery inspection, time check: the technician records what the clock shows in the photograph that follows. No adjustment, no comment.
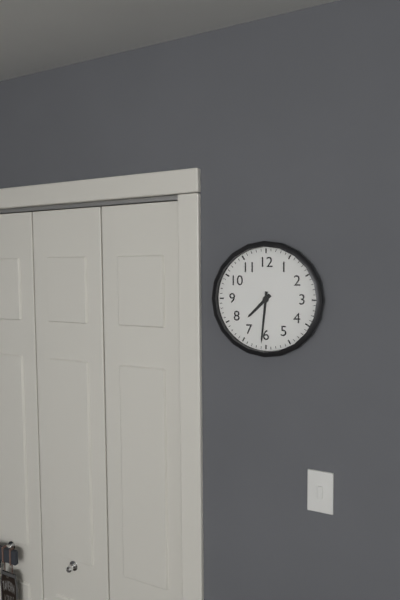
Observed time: 7:31
